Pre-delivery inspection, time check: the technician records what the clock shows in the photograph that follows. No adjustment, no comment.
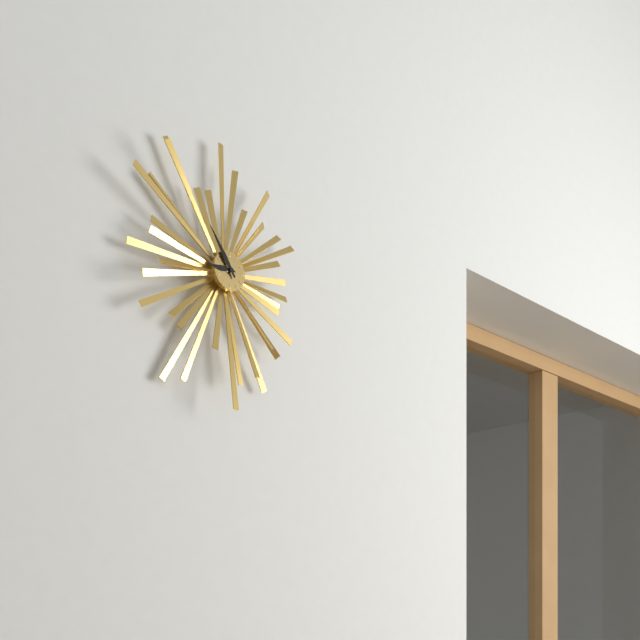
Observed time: 8:54
